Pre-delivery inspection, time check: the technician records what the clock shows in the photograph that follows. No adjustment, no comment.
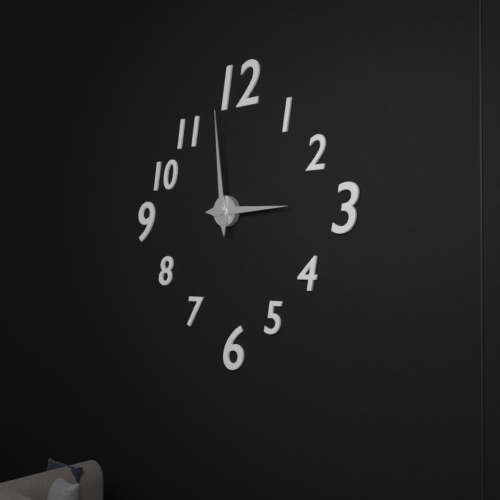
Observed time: 2:59
